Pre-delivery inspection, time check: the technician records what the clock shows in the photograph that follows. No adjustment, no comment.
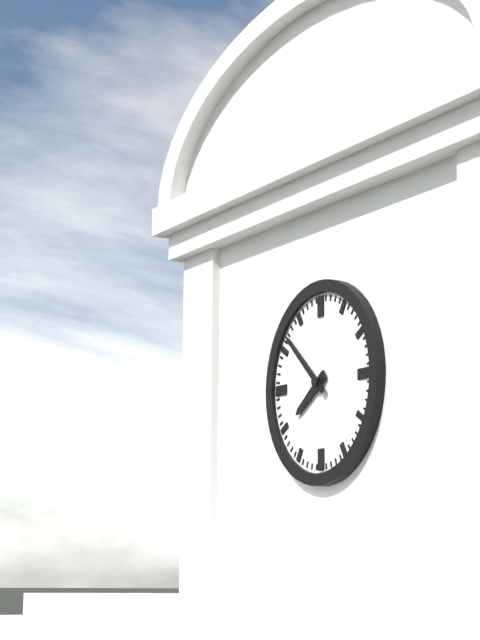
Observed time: 7:52
